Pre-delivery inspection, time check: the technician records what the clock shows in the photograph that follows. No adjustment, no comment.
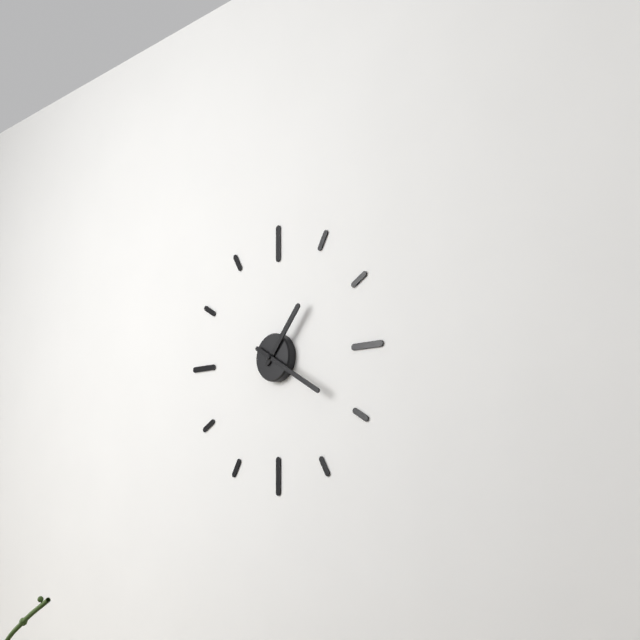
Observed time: 1:20
